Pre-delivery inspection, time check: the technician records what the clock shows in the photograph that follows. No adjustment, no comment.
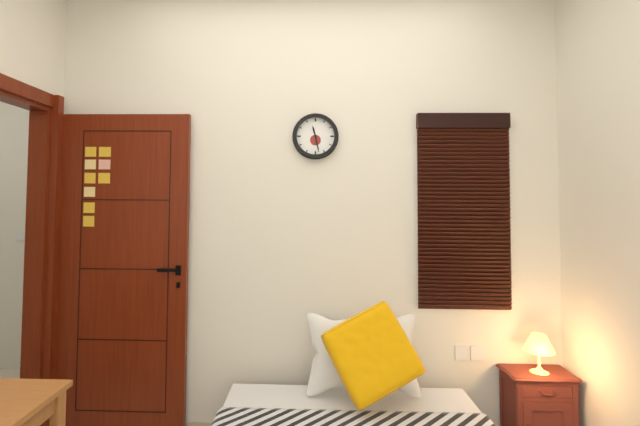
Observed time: 11:28
